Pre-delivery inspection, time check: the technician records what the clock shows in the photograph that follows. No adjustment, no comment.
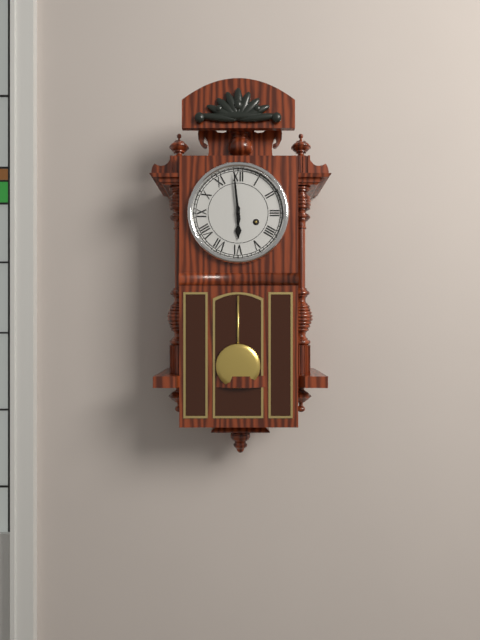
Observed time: 5:59
